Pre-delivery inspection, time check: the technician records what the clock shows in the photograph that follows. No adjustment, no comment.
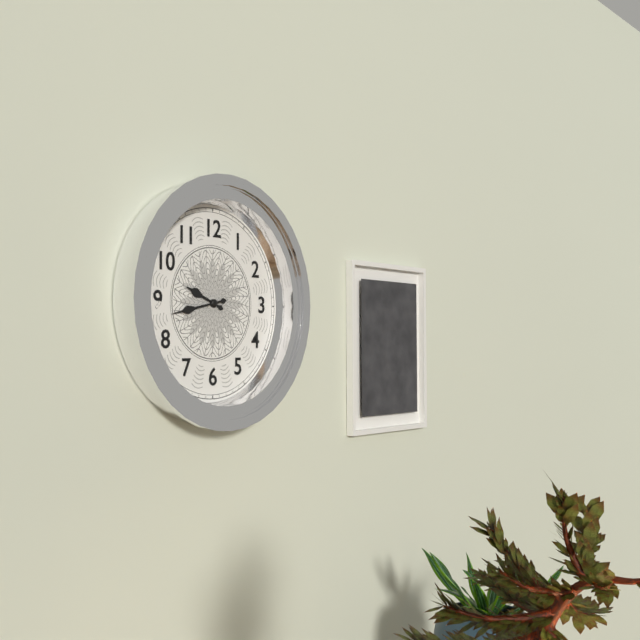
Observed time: 9:43
